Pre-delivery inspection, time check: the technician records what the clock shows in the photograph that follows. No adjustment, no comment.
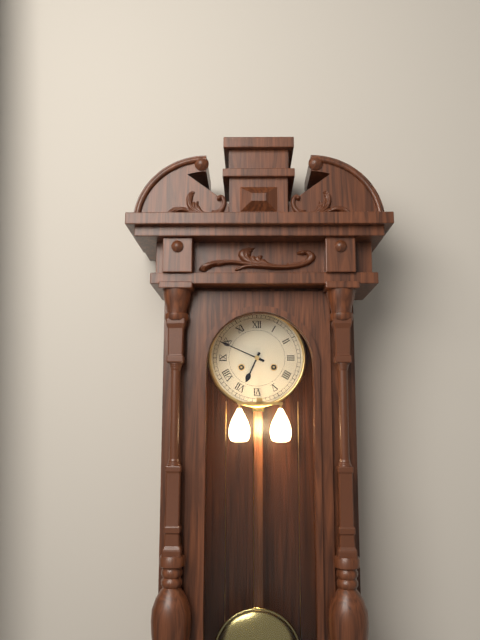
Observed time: 6:49
